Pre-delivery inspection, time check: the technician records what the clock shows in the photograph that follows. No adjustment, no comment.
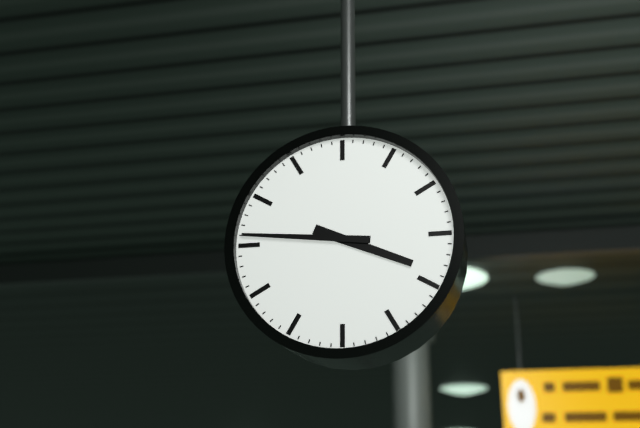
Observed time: 3:46
